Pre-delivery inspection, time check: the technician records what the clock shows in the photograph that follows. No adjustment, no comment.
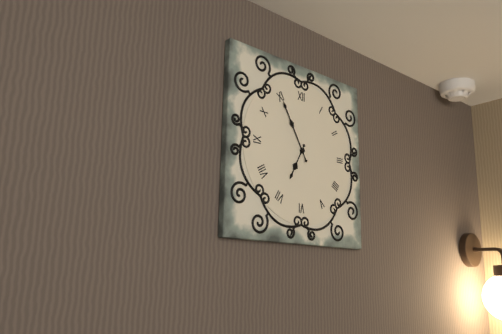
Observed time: 6:55
